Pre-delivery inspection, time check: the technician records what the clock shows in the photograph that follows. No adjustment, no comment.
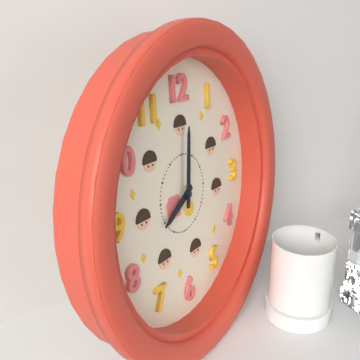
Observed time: 8:01
